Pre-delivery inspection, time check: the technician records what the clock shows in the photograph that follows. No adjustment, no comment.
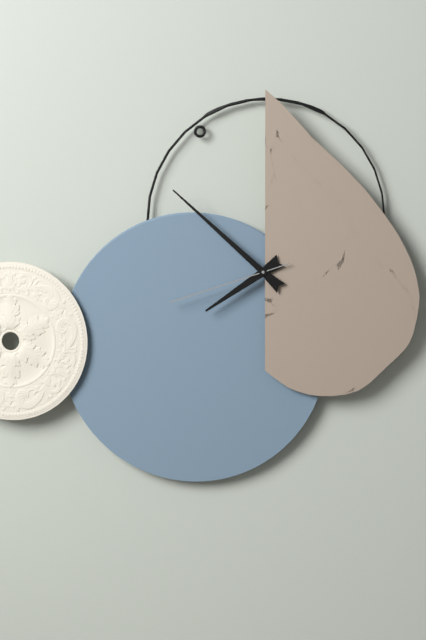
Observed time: 7:52:42
